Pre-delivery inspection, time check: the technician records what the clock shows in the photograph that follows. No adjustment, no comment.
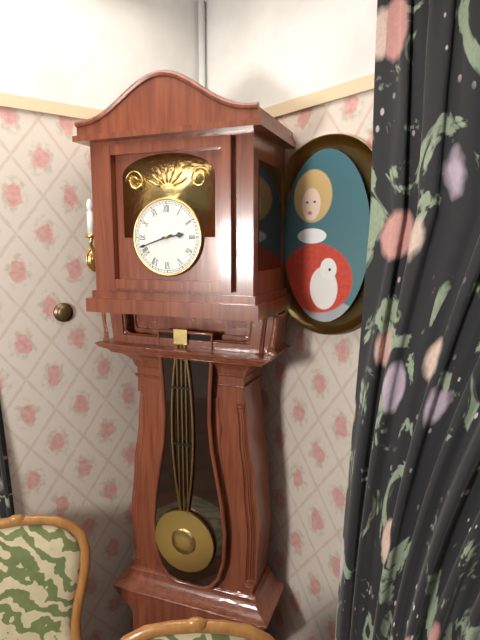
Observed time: 2:42
